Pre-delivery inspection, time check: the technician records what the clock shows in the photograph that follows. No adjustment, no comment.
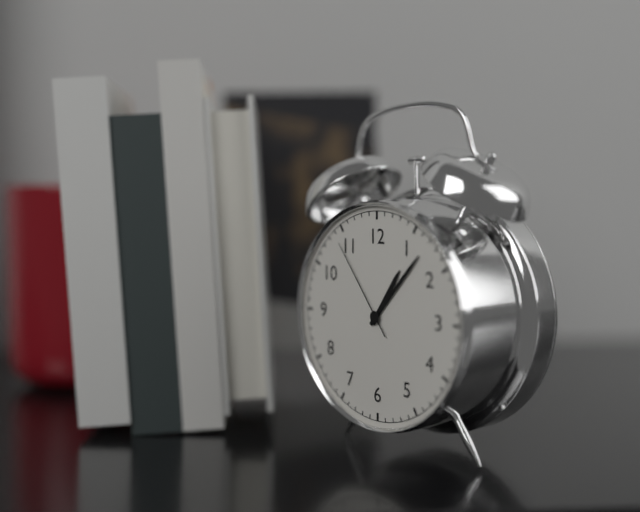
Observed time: 1:07:54
